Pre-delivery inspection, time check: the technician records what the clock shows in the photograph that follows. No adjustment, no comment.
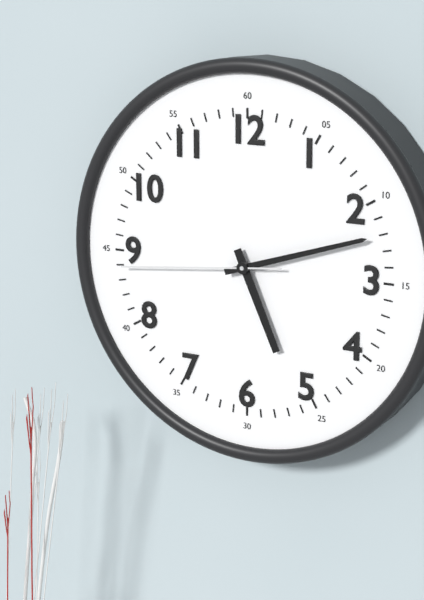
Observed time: 5:12:44
